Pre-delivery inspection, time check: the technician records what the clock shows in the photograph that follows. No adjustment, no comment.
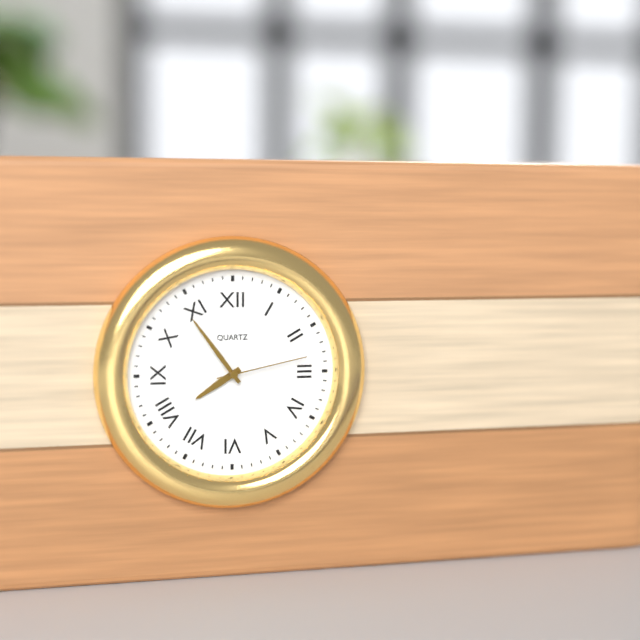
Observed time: 7:54:13
